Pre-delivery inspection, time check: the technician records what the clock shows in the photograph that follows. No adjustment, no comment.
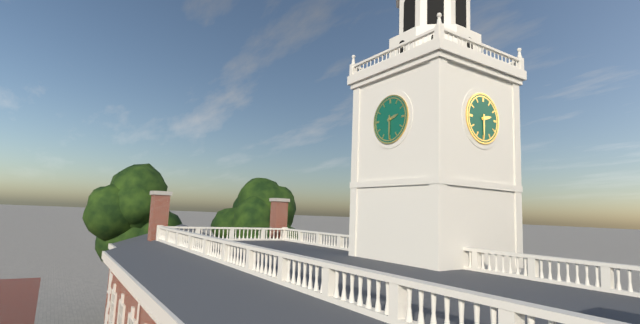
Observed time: 2:30
